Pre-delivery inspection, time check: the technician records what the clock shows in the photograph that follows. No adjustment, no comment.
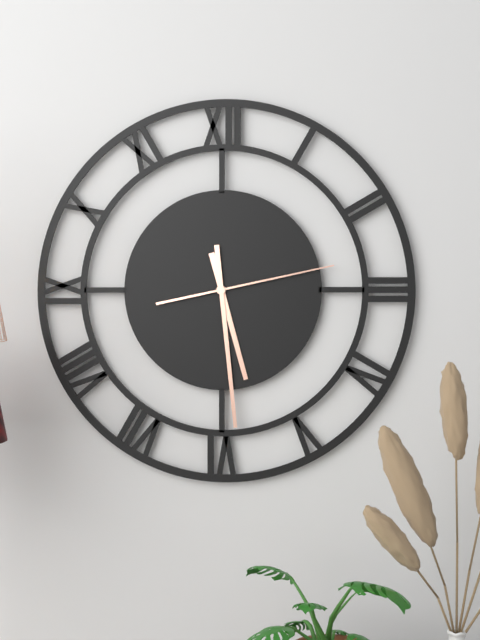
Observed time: 5:29:13
